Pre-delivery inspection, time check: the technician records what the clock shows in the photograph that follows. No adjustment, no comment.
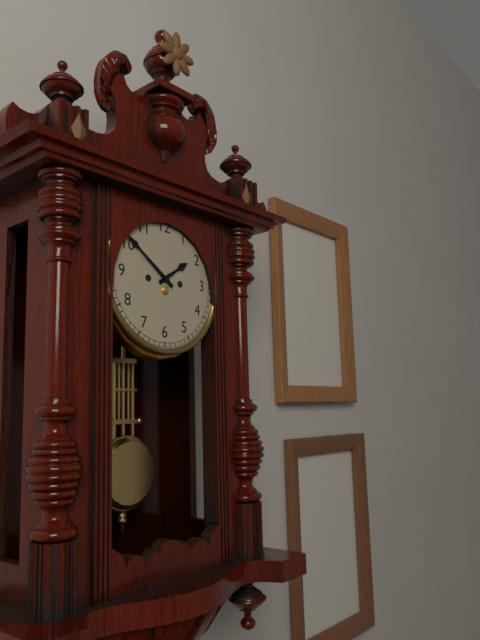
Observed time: 1:51
